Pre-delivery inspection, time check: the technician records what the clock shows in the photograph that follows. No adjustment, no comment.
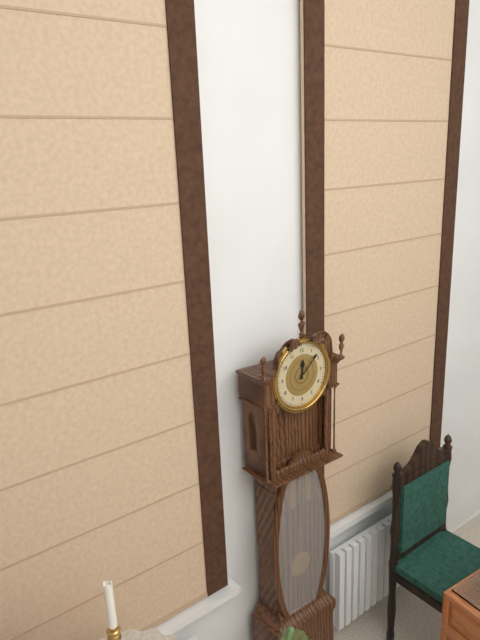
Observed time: 12:08
